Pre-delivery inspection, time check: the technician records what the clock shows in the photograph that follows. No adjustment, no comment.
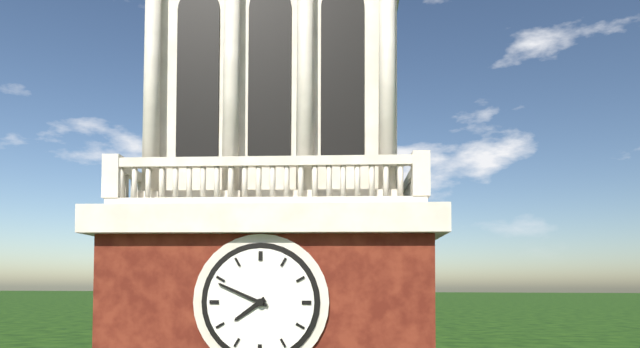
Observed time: 7:49
